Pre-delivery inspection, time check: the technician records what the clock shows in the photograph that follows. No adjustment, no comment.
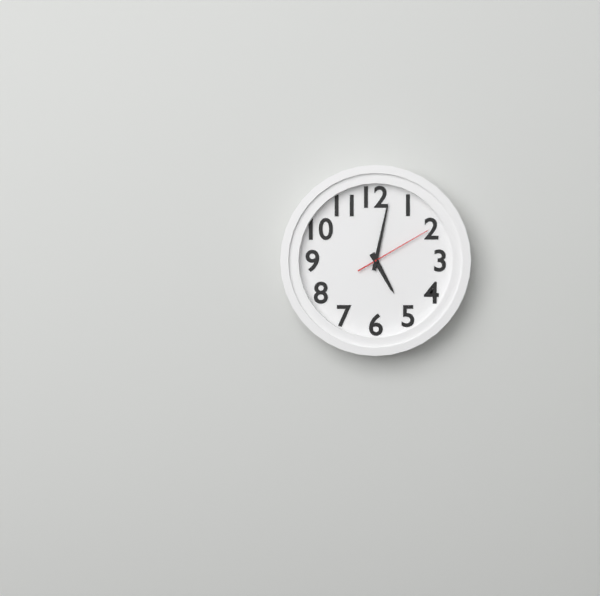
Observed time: 5:02:10
